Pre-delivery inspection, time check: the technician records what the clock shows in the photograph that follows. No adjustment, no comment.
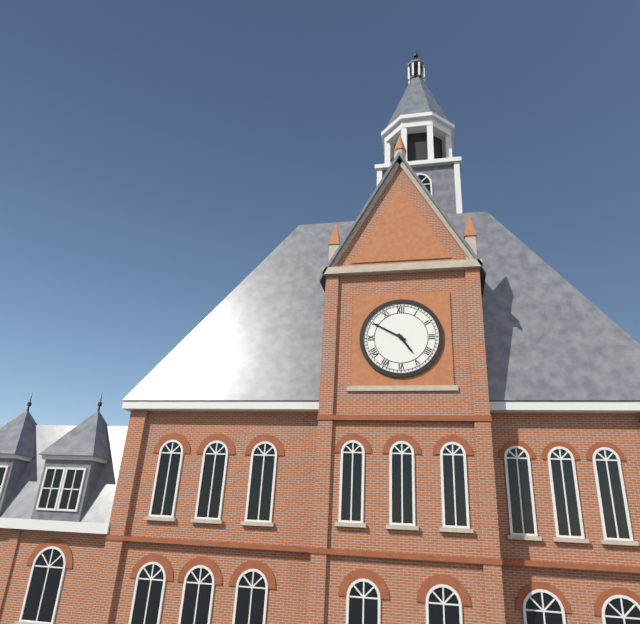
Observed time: 4:50
